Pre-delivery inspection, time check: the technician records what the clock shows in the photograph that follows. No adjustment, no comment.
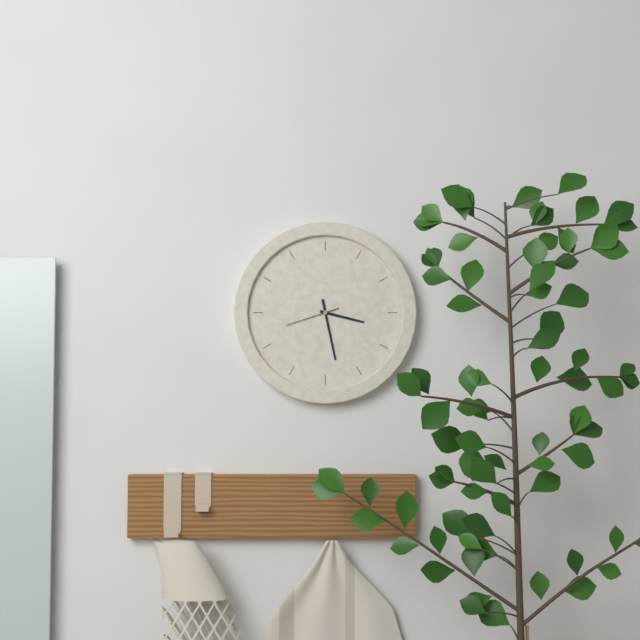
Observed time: 3:28:42
